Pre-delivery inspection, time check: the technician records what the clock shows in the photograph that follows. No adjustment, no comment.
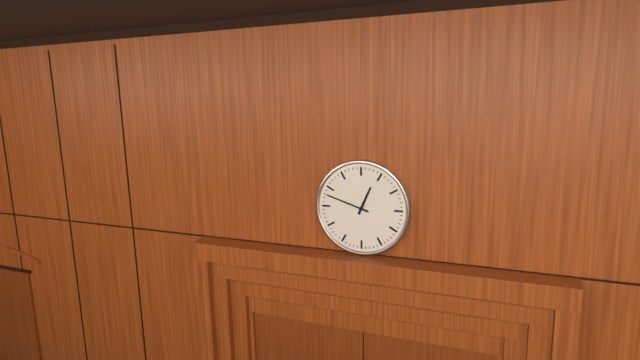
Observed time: 12:48
